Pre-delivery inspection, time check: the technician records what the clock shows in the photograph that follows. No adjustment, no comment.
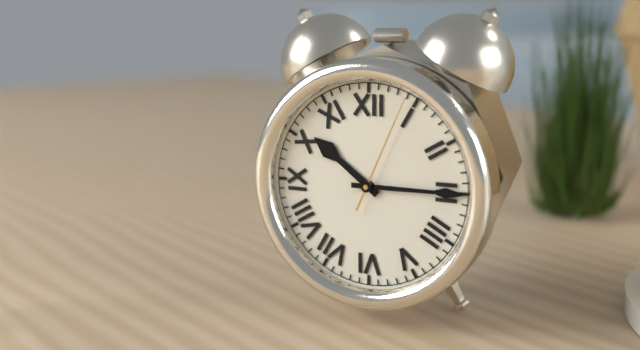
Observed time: 10:15:04
